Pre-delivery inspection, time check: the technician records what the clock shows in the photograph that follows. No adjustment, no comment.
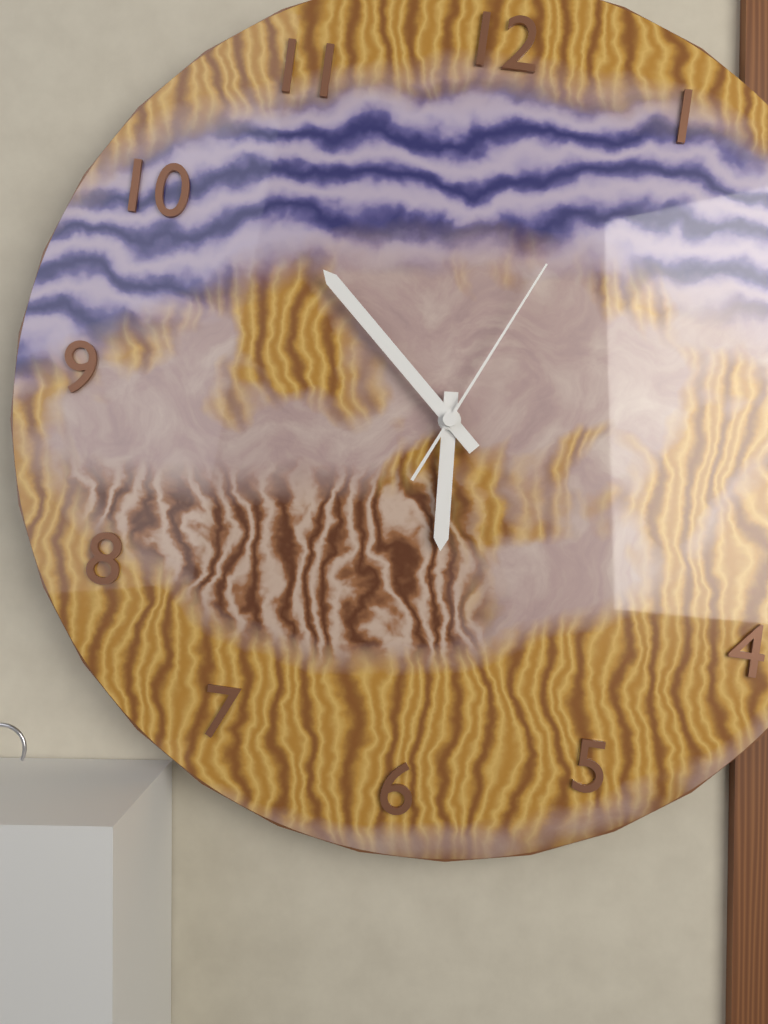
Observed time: 5:52:04
